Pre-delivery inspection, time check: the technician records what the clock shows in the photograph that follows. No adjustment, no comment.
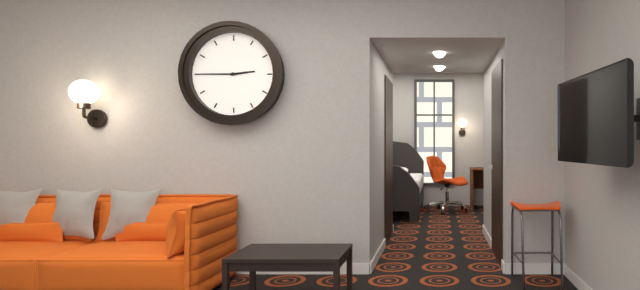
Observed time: 2:45
